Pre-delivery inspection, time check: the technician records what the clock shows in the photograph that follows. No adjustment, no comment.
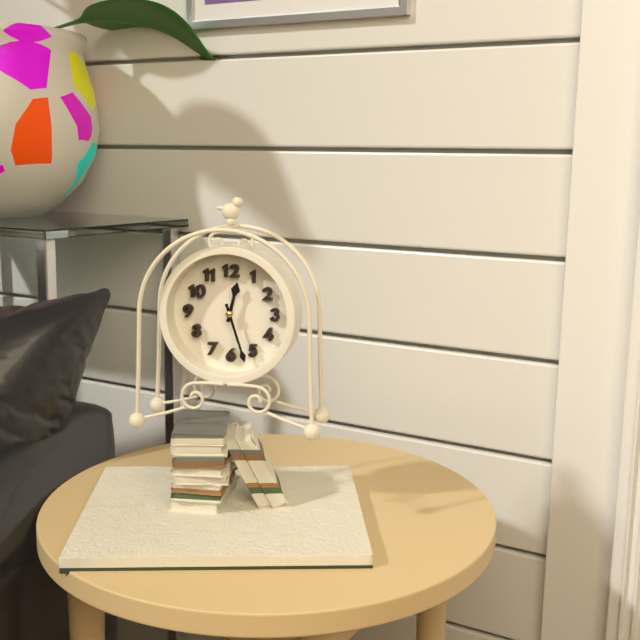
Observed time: 12:27
